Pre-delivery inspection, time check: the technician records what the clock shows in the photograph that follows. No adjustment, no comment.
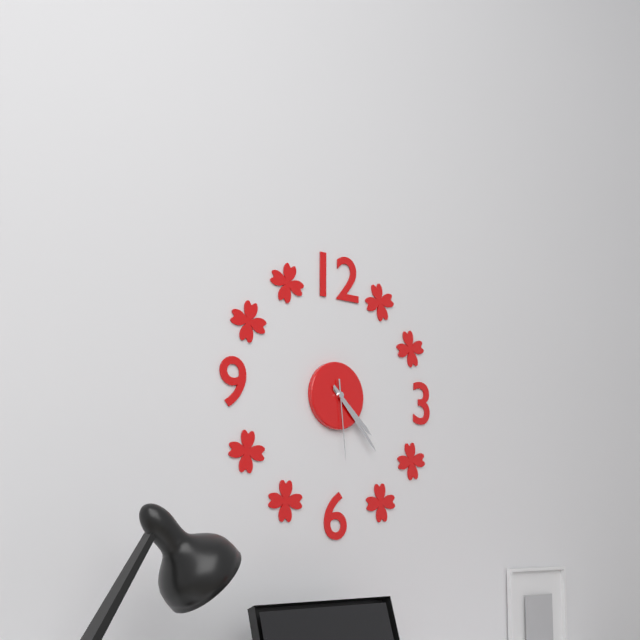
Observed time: 4:23:29
